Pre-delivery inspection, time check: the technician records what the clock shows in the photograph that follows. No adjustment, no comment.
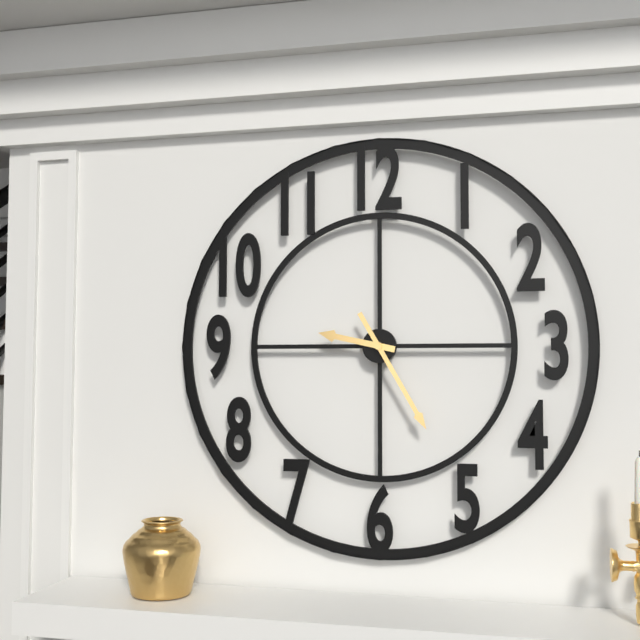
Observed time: 9:25
